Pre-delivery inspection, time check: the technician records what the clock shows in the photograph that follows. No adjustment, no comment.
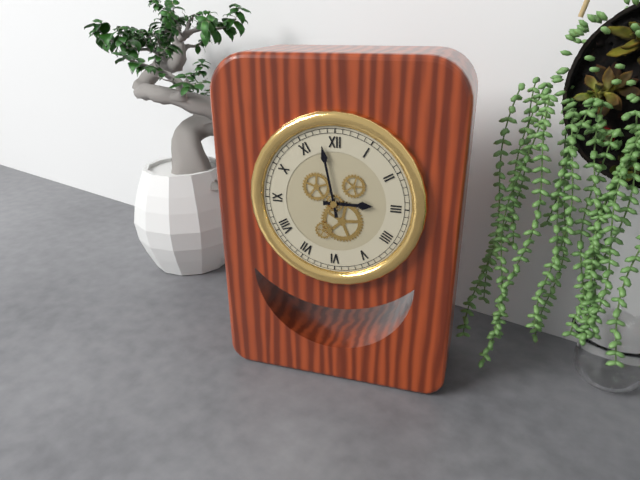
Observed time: 2:58
